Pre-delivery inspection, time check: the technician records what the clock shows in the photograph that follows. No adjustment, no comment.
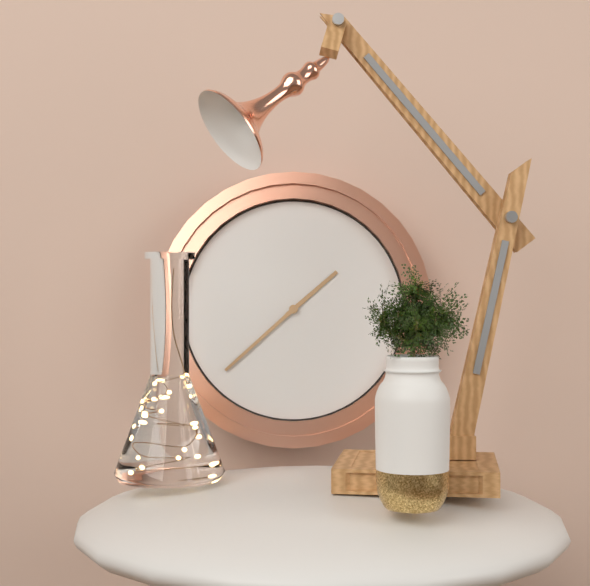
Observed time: 1:38
